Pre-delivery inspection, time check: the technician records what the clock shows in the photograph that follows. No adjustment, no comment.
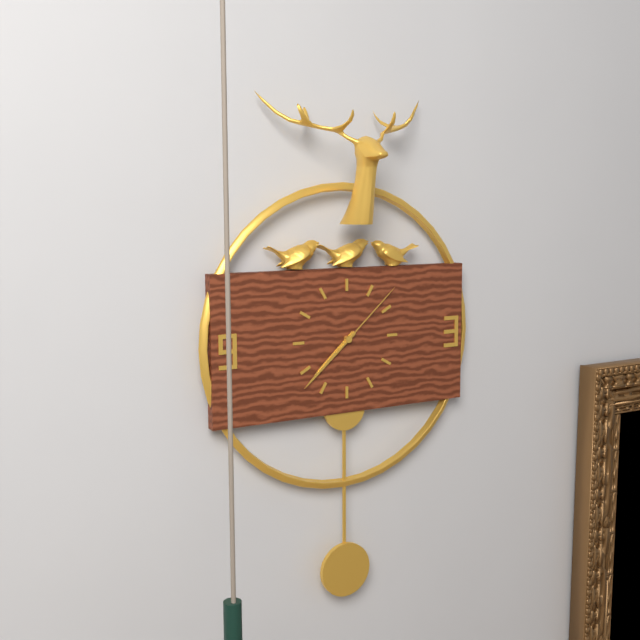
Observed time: 7:38:08
